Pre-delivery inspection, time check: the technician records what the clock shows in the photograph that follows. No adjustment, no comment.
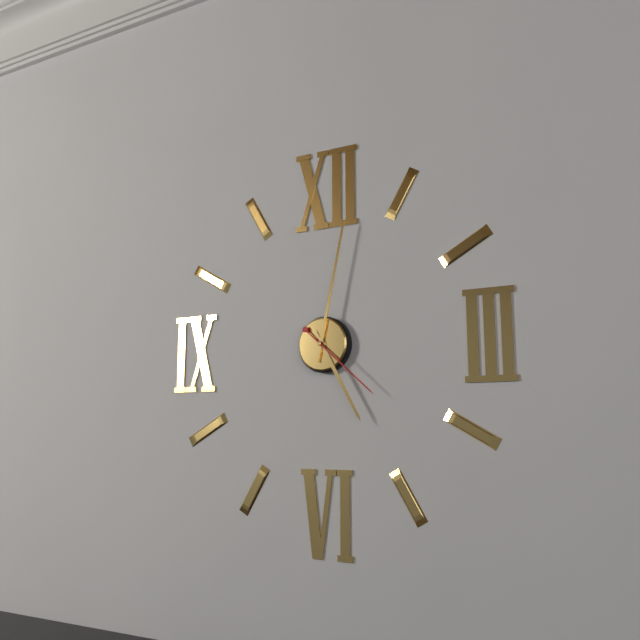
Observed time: 5:02:22
